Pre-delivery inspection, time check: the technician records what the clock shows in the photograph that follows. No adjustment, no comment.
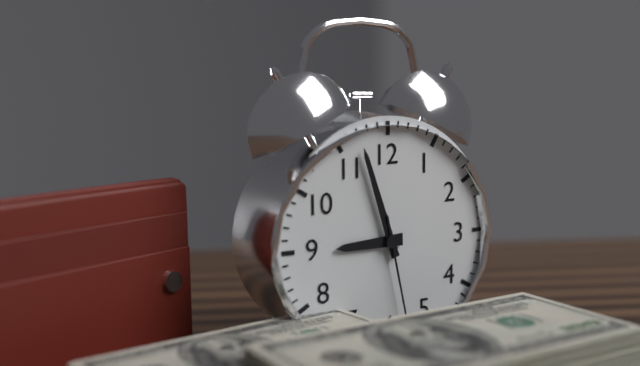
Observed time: 8:57:28
